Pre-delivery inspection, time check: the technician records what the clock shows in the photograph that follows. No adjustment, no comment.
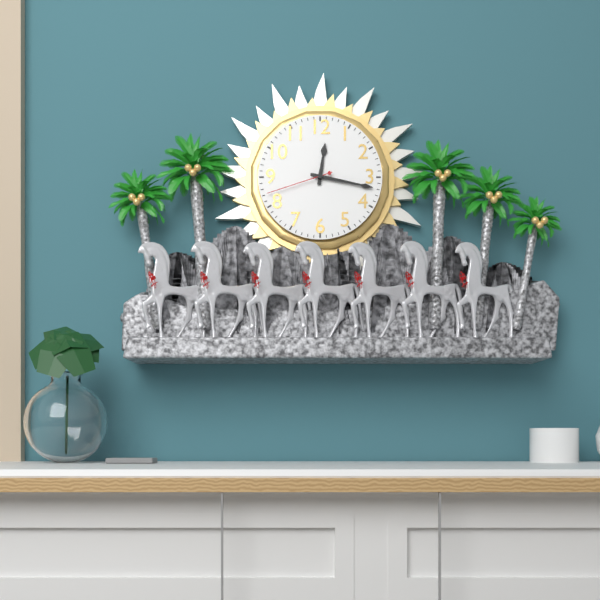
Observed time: 12:17:42
